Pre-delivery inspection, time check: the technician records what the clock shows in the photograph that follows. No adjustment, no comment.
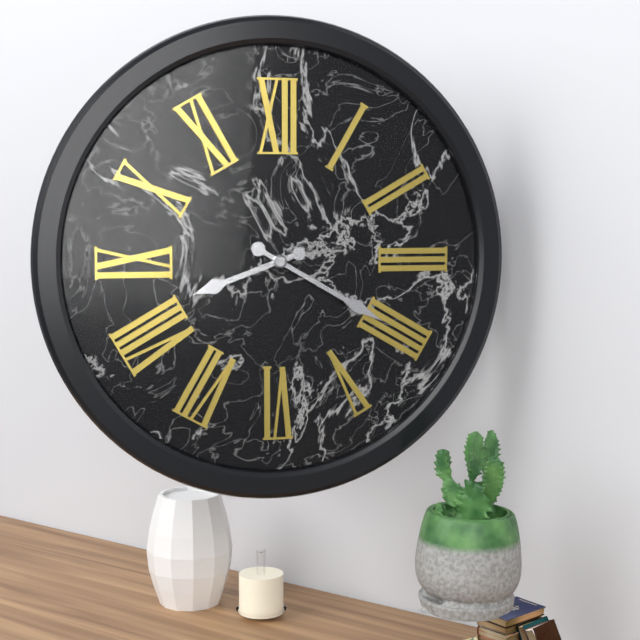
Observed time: 8:20
